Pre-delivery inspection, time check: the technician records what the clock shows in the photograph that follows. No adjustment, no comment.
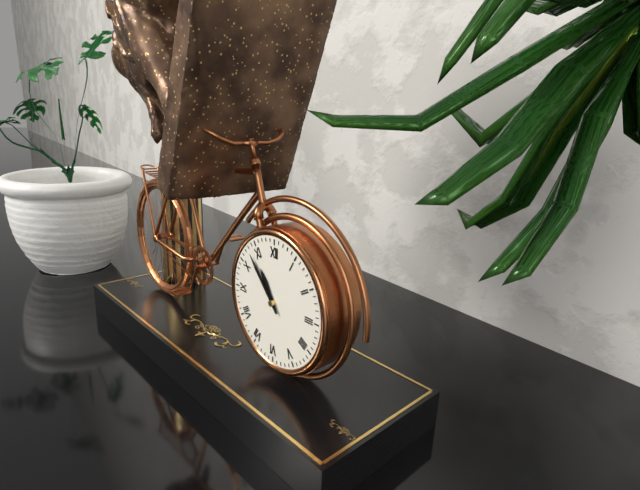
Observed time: 10:53
